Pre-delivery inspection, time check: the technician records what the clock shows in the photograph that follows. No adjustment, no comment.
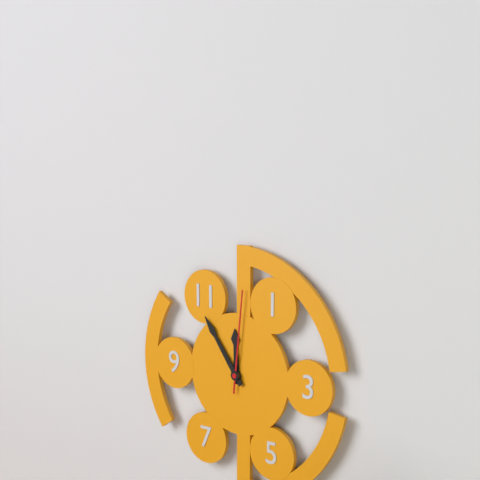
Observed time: 11:54:01
